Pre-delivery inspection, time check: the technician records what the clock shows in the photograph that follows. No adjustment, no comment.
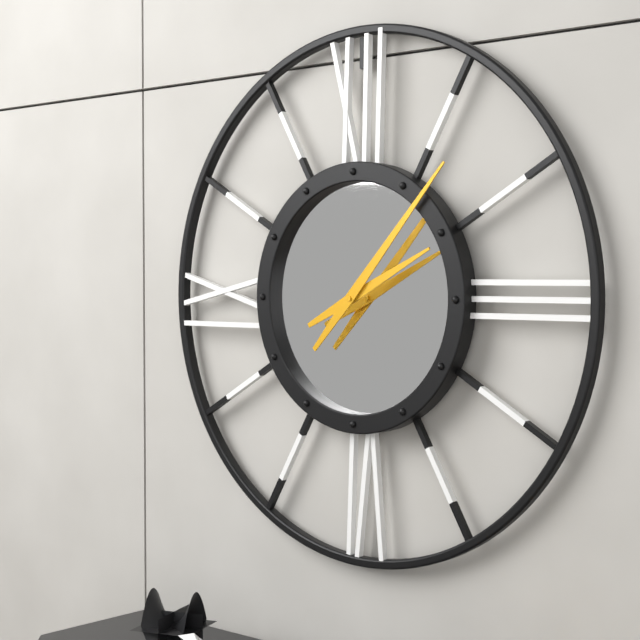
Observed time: 2:07
